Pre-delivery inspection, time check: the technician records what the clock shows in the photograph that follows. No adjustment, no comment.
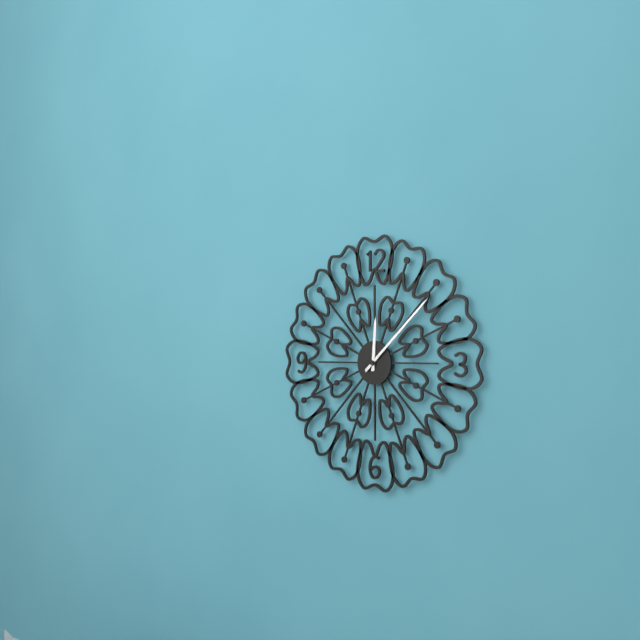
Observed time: 12:08
